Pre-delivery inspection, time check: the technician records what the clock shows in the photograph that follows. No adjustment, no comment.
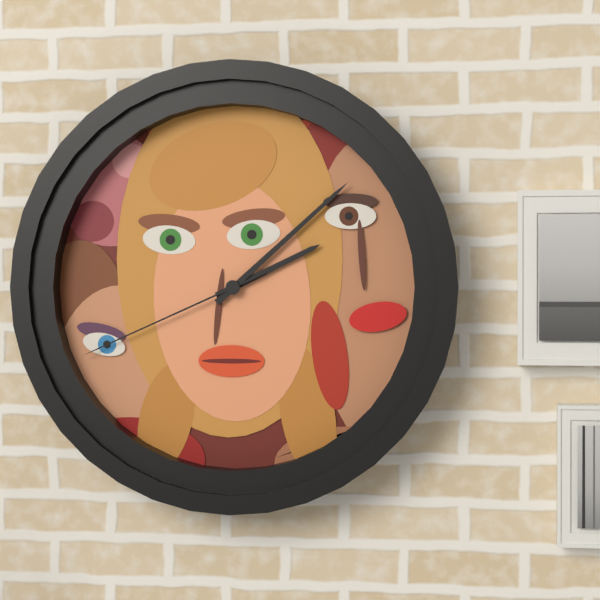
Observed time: 2:08:41
